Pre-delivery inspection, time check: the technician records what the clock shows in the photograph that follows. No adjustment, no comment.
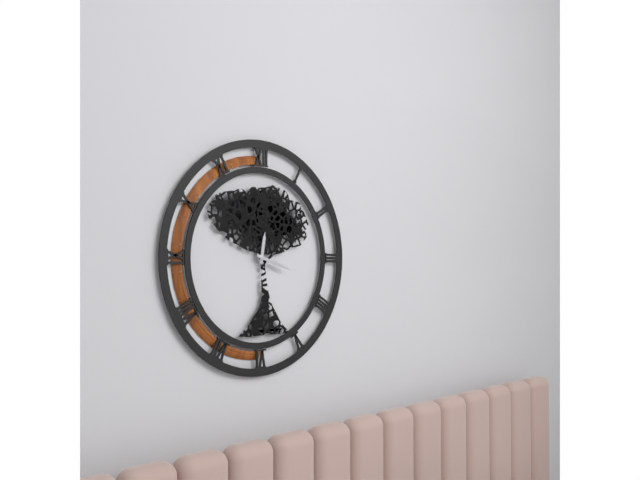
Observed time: 12:18
